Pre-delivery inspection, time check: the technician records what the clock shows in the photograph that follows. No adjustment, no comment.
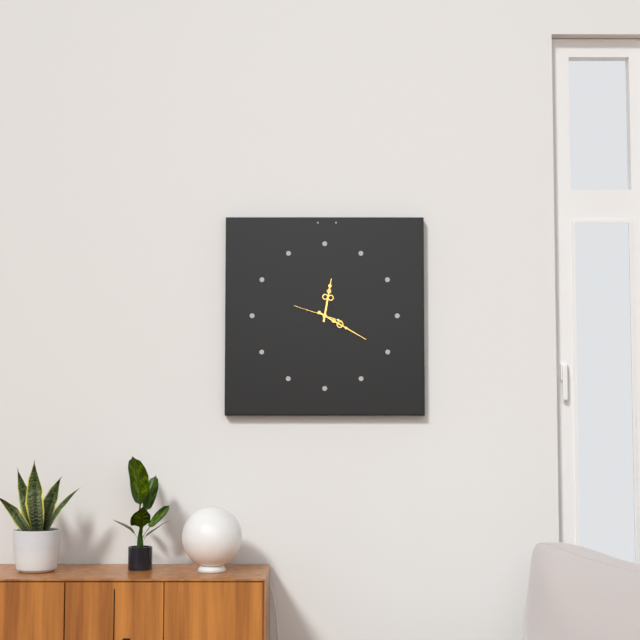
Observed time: 12:20
